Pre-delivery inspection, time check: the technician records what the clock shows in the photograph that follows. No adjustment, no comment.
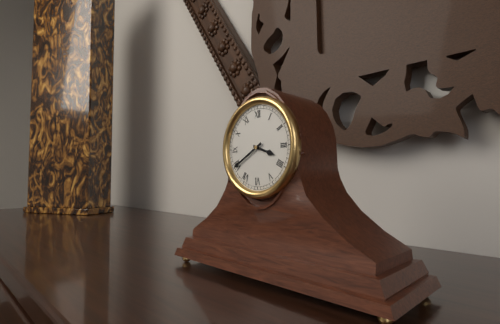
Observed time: 3:40
